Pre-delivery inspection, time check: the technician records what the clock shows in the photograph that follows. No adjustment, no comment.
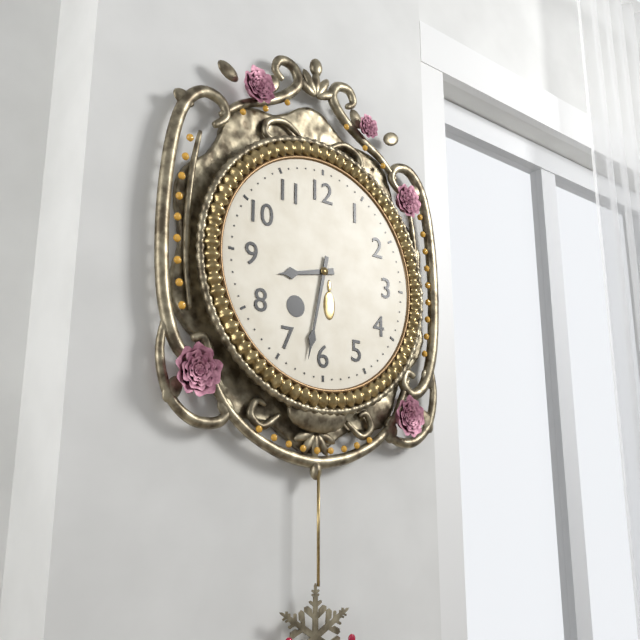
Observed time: 8:32
